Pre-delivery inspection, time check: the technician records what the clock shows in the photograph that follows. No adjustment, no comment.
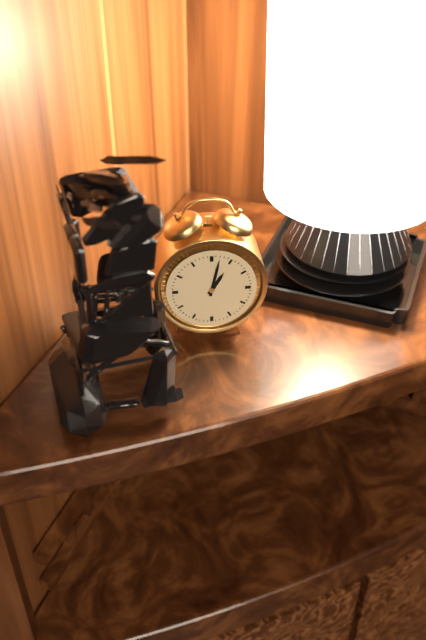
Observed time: 1:02
